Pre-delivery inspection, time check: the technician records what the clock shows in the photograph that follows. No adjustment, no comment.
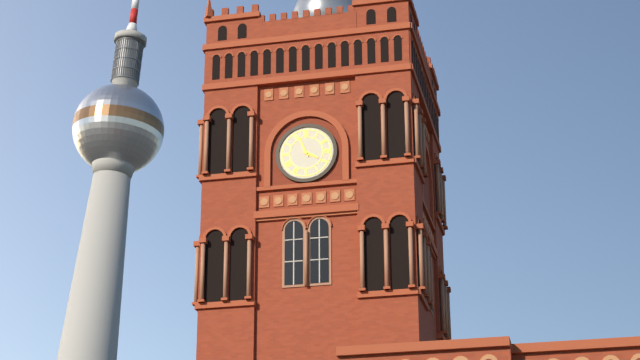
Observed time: 3:56
